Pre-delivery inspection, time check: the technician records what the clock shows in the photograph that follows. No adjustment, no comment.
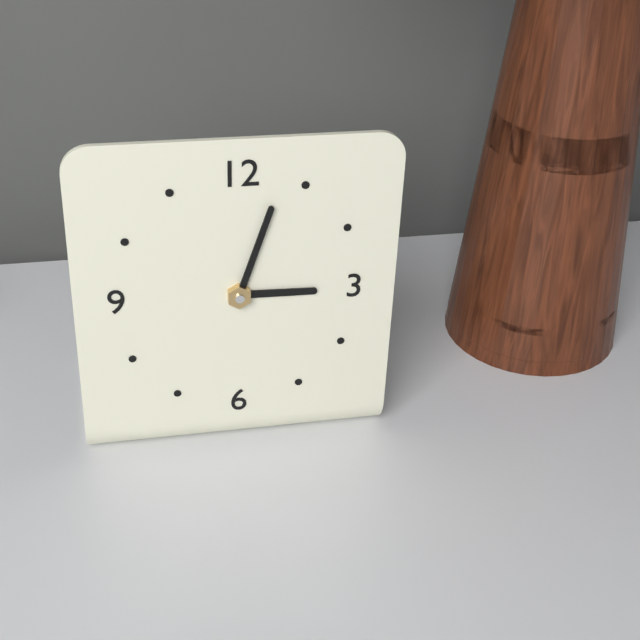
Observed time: 3:03
